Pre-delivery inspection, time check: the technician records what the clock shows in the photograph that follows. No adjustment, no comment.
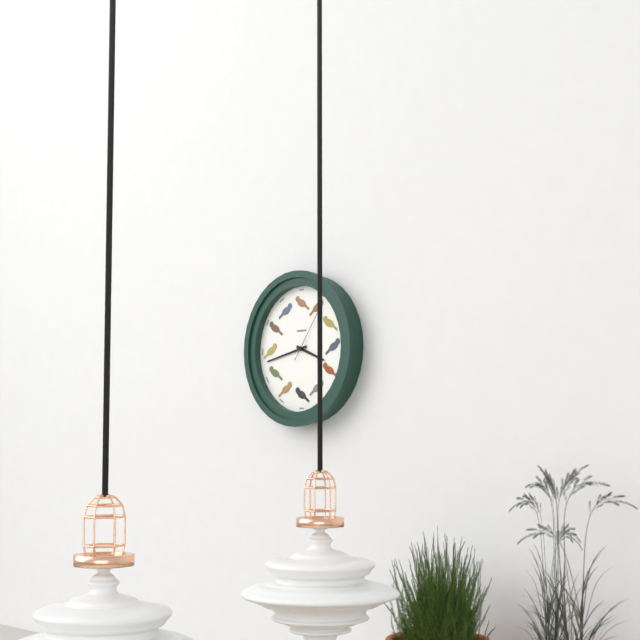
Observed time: 3:43:06
